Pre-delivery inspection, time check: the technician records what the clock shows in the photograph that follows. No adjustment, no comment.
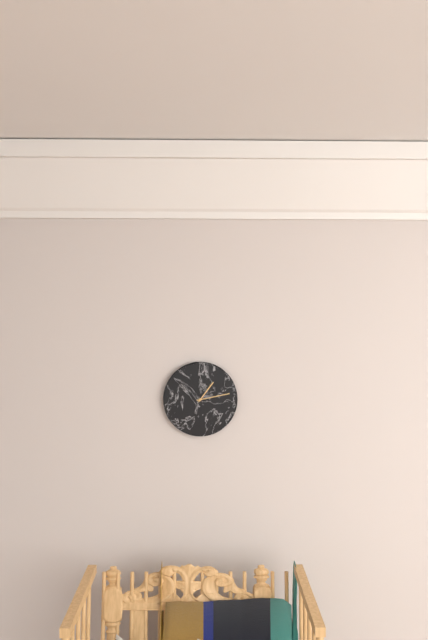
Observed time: 1:13
